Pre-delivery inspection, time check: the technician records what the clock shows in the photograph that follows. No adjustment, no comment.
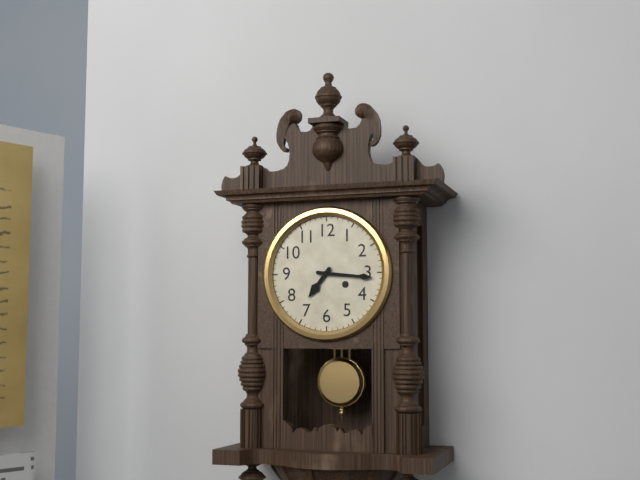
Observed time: 7:16
